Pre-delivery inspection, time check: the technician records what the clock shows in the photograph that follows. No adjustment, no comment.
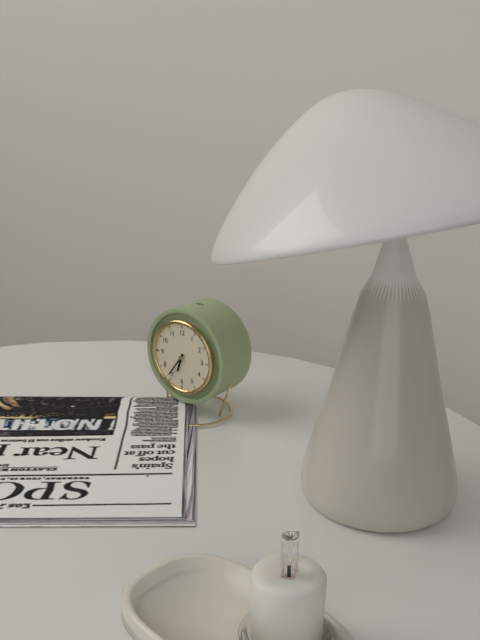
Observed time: 6:36
